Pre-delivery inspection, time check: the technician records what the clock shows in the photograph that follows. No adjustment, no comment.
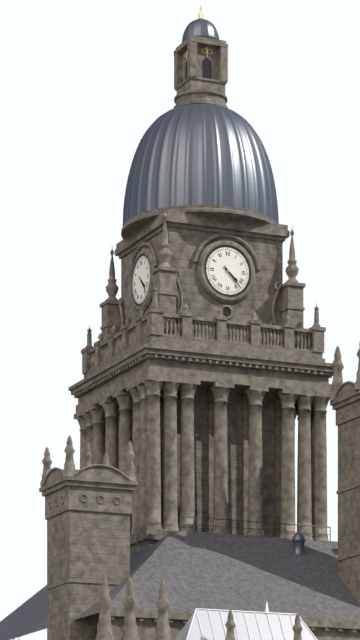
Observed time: 4:23
